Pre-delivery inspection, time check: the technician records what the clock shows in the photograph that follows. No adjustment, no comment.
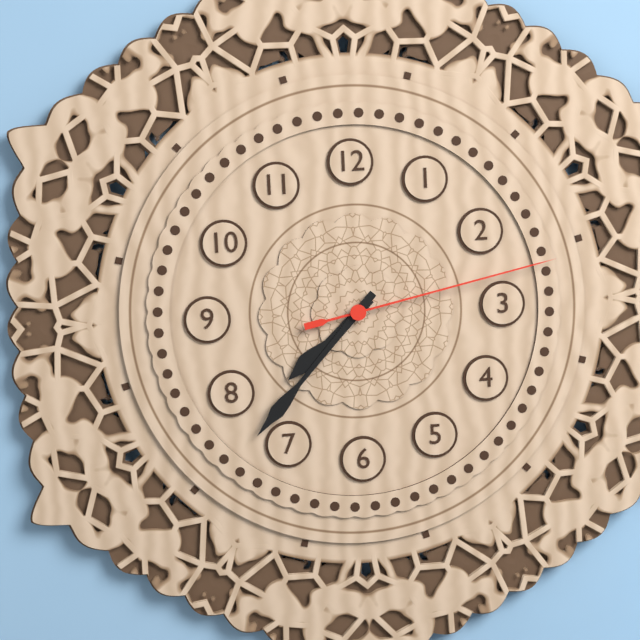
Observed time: 7:37:13
